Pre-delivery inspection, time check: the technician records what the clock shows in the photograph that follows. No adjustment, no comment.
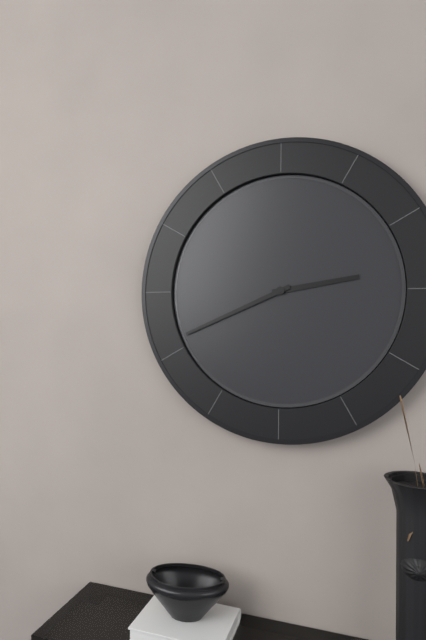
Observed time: 2:41
